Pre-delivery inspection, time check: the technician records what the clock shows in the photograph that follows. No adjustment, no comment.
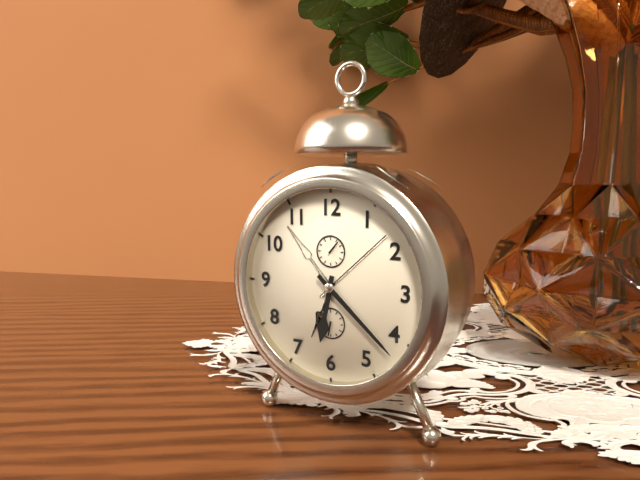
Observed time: 6:22
